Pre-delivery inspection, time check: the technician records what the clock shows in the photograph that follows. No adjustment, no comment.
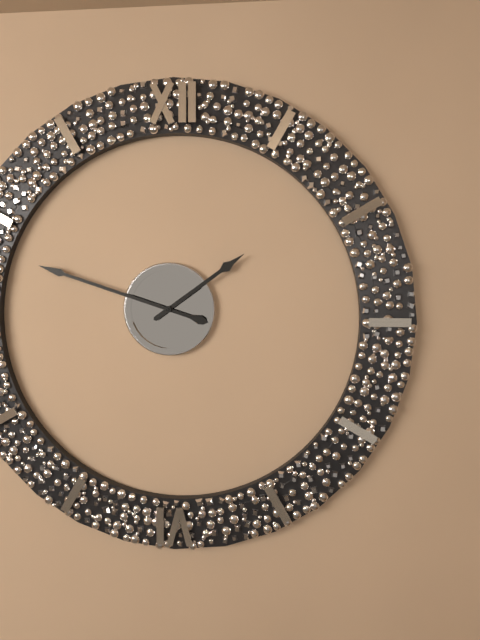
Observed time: 1:48
